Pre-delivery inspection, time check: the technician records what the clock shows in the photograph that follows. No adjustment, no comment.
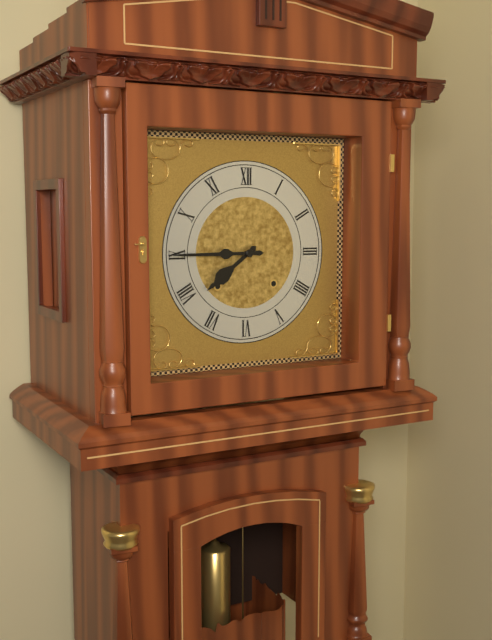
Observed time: 7:45
